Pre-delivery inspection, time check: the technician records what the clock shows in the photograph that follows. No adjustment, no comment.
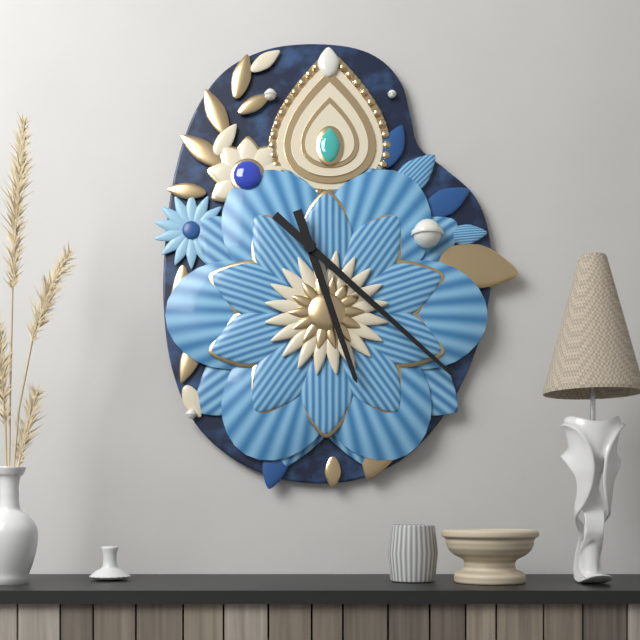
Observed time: 5:22
